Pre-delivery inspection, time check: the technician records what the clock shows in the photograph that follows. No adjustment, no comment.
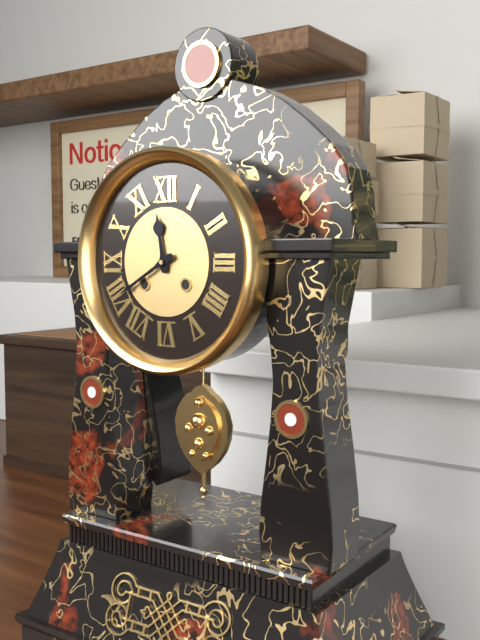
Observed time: 11:40
